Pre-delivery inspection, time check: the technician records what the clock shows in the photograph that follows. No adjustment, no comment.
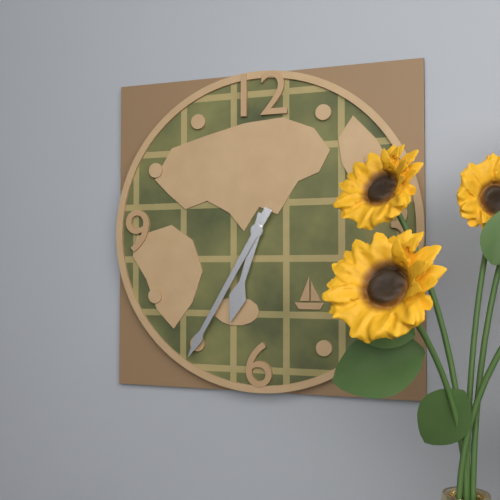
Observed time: 6:35
